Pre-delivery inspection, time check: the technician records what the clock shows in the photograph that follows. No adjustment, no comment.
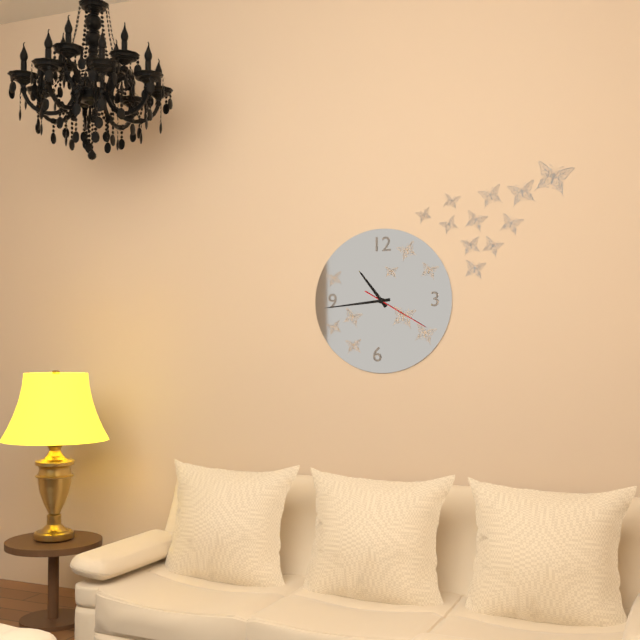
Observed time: 10:44:20
